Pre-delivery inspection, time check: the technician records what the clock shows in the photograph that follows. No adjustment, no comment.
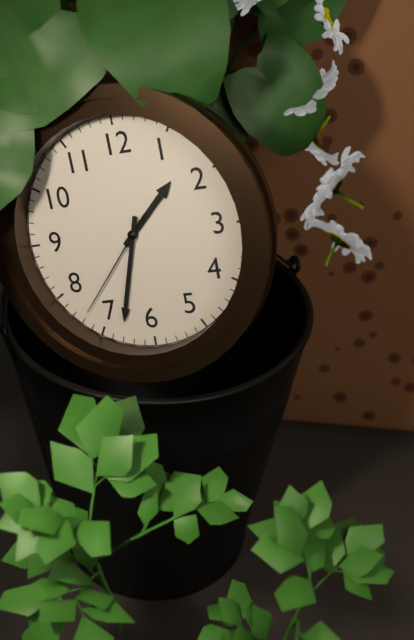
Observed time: 1:33:37
